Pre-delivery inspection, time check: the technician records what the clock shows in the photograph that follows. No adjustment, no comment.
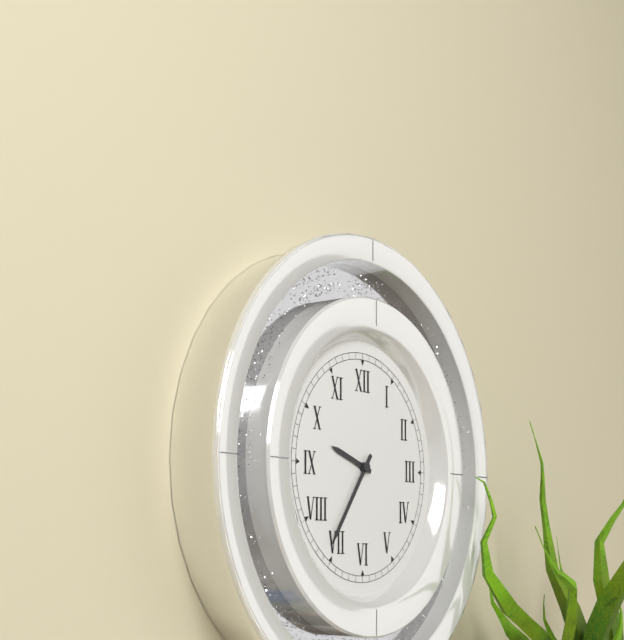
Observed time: 9:36
